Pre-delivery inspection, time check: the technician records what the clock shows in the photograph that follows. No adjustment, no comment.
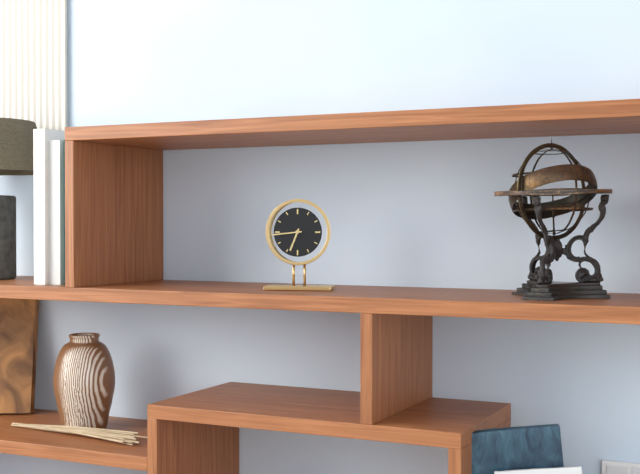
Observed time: 6:44
